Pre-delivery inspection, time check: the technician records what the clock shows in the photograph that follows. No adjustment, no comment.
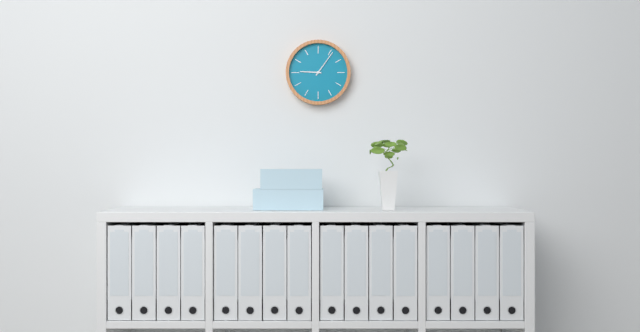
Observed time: 9:06
